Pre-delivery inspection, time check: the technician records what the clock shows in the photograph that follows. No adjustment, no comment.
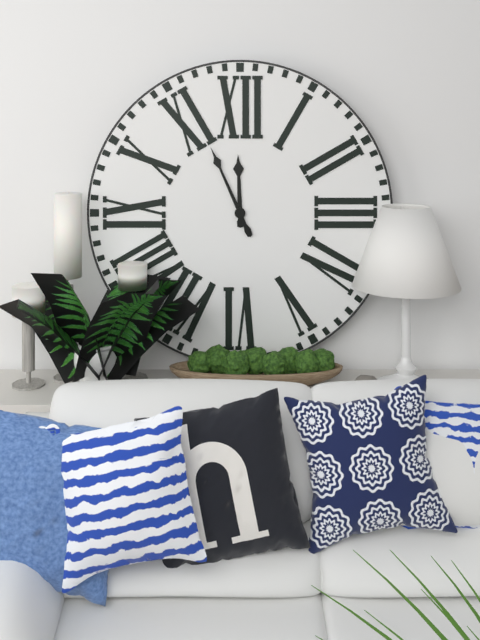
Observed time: 11:56
